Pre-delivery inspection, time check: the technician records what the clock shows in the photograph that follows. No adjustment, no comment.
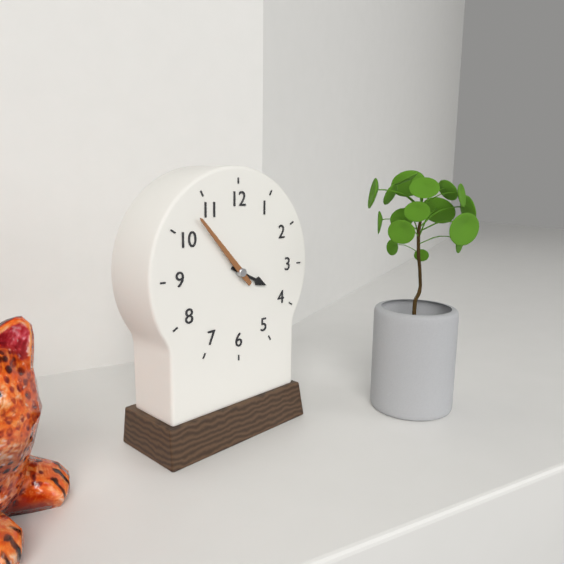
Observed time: 3:53
